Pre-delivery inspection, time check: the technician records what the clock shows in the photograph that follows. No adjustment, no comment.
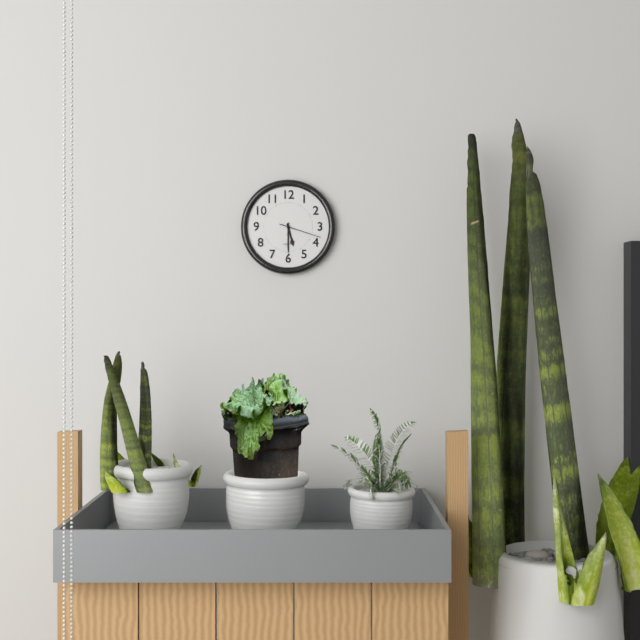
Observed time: 5:30
